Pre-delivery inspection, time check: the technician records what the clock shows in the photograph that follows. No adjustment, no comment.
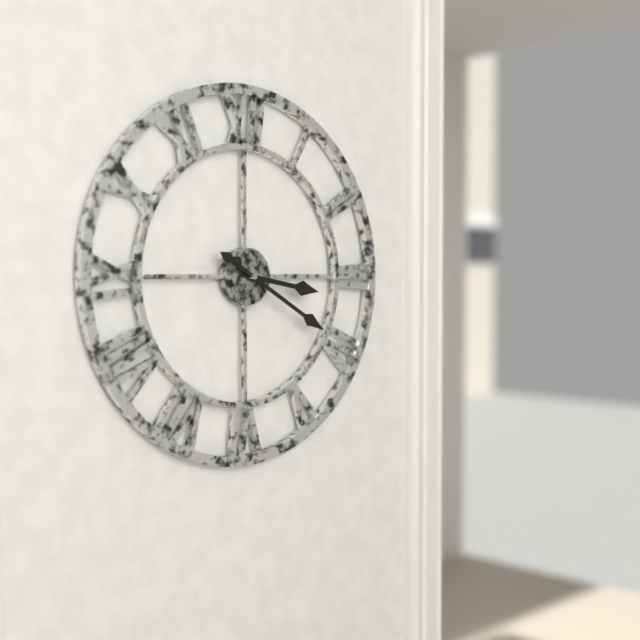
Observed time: 3:20
